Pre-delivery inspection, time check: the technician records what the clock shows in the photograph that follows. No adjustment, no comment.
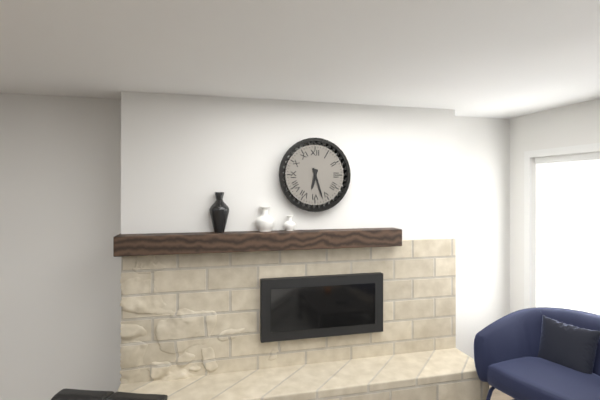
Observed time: 6:27
